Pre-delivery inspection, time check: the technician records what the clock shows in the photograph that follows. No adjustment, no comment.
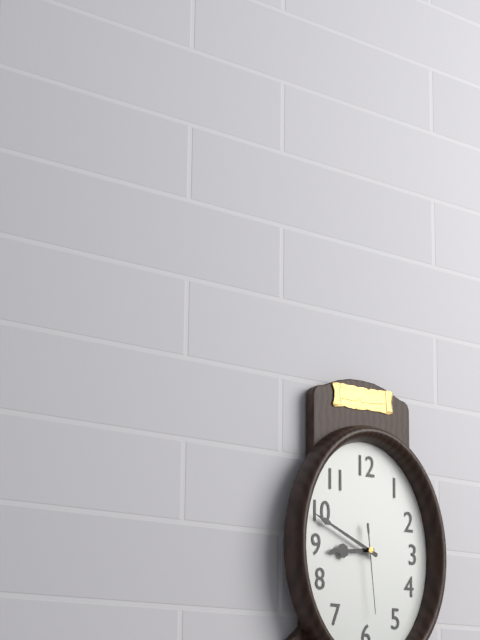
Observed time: 8:49:29
